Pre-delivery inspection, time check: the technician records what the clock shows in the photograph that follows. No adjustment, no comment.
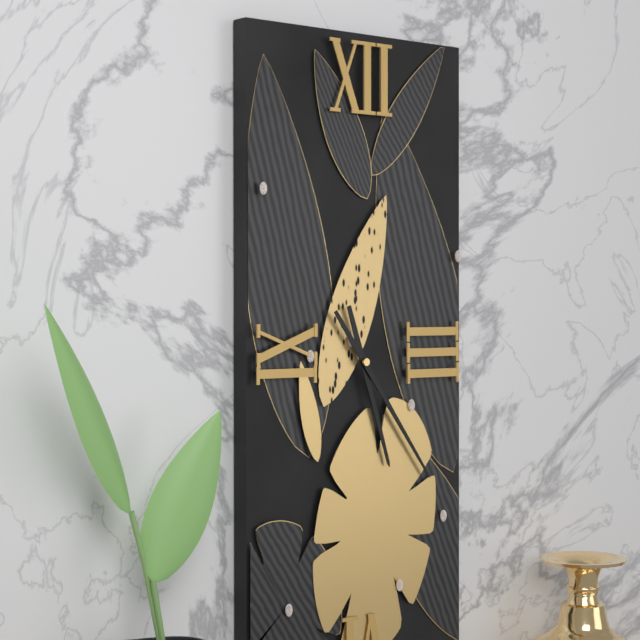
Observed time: 5:24
